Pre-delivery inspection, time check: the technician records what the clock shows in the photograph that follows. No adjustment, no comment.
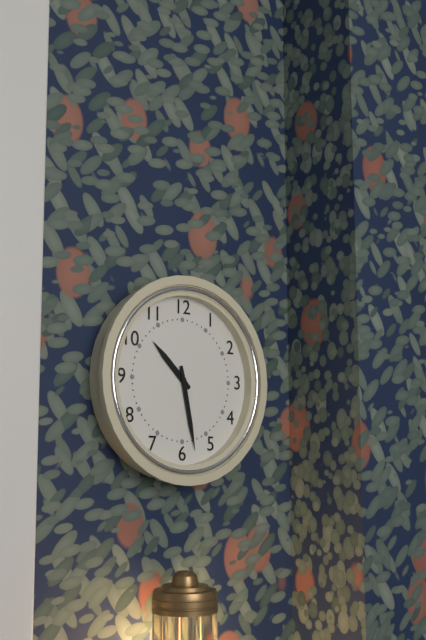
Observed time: 10:28
